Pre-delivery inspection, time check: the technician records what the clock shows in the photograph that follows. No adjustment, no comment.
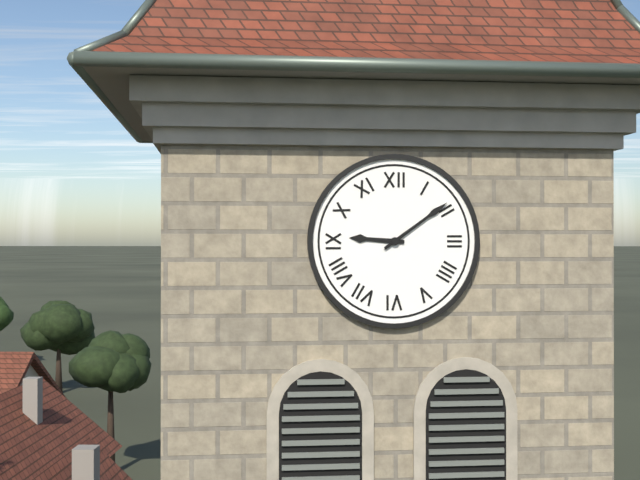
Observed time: 9:09
